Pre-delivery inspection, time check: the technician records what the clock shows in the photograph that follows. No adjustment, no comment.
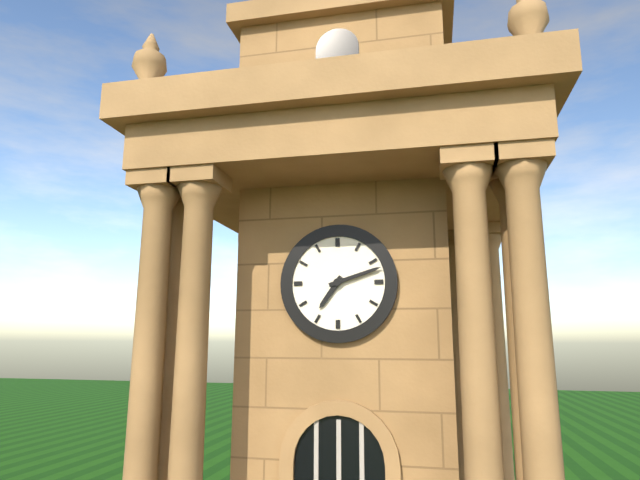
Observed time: 7:12
